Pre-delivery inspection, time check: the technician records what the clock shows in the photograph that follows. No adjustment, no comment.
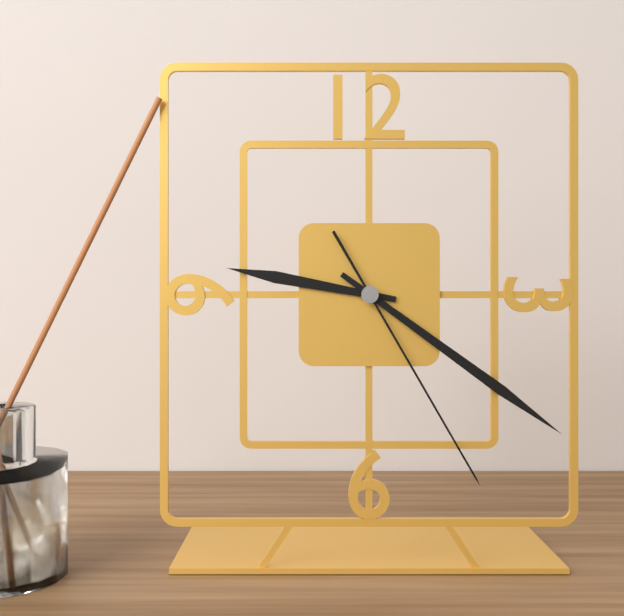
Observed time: 9:21:25
